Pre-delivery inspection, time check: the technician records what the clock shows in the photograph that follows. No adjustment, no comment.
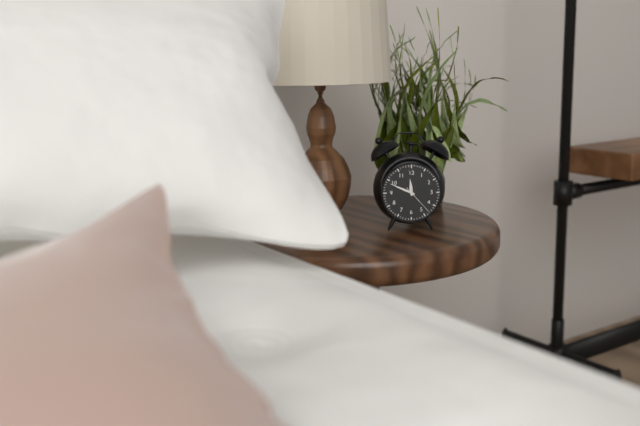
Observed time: 11:49
